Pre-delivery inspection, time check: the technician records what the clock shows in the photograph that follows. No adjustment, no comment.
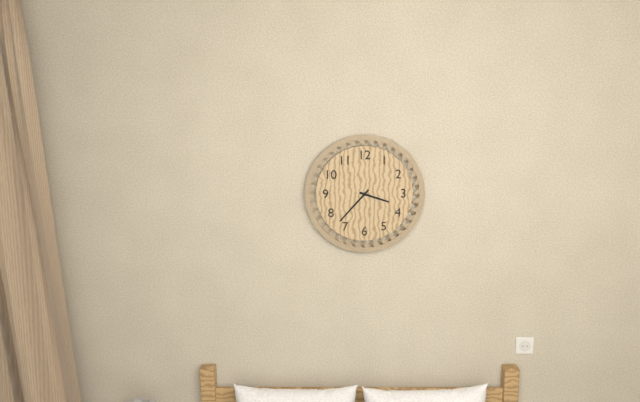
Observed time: 3:37
